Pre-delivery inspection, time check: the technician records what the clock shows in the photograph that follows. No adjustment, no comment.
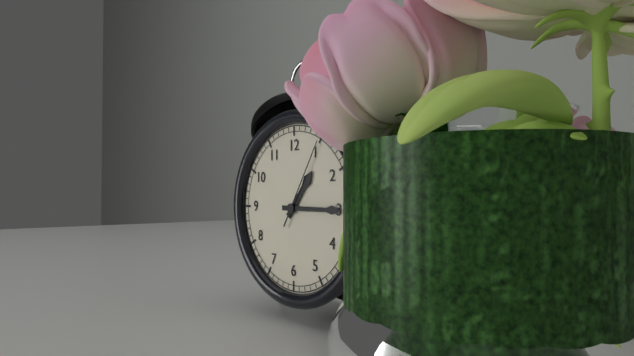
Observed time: 1:15:05
